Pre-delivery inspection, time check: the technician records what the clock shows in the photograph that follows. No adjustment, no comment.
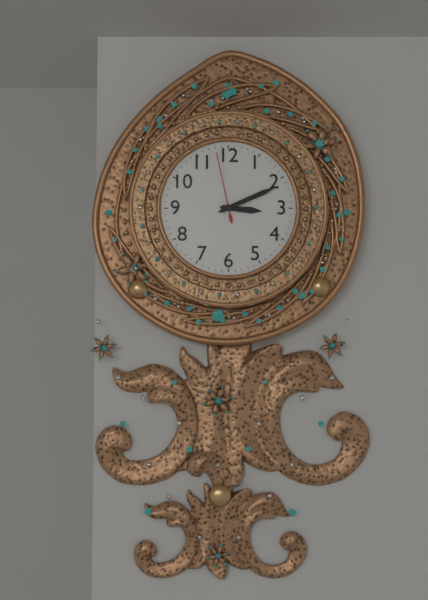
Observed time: 3:11:58
